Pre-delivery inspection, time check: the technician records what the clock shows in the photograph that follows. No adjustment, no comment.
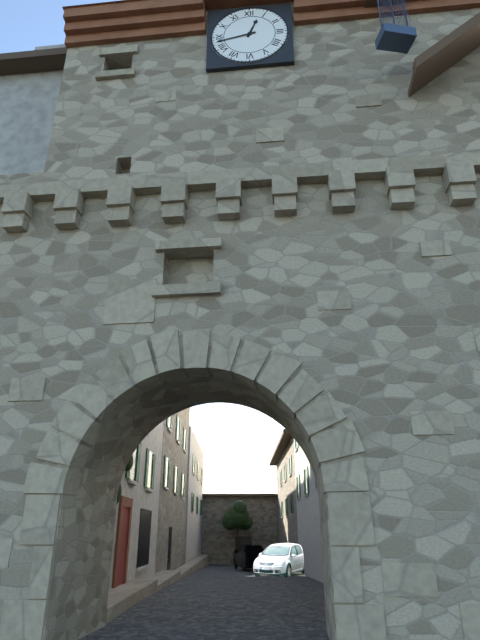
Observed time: 12:43
